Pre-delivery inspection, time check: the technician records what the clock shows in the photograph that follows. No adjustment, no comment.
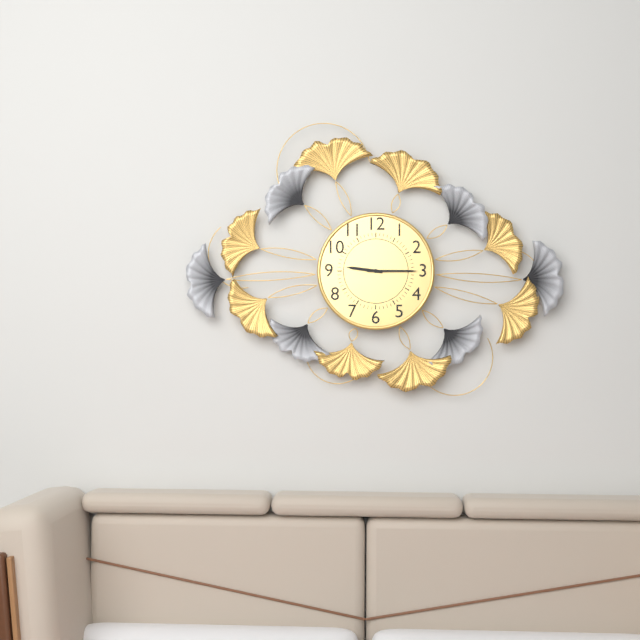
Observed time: 9:15
